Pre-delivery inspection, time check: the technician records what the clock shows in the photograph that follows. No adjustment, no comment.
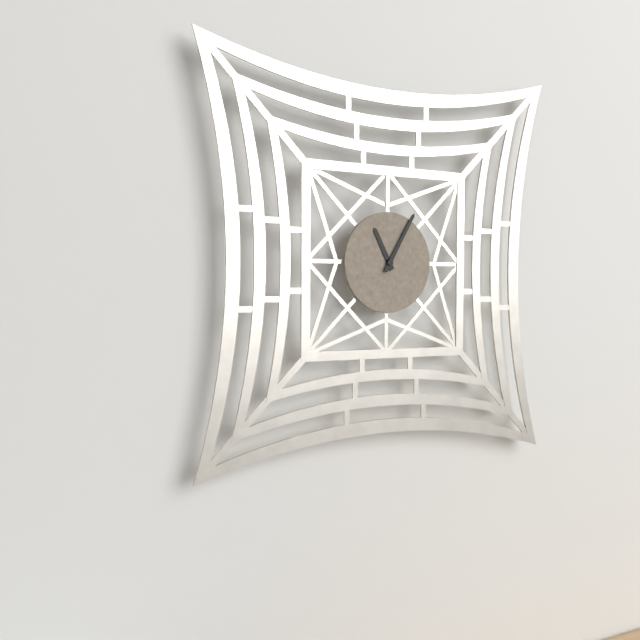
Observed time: 11:05
